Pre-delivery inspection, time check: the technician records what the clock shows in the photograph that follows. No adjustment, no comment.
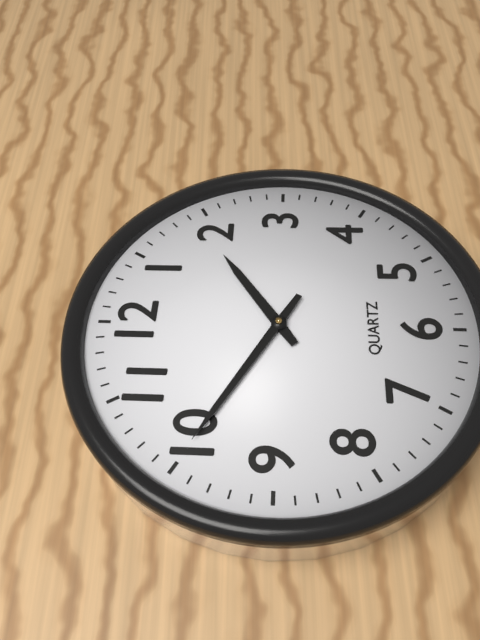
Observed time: 1:50
